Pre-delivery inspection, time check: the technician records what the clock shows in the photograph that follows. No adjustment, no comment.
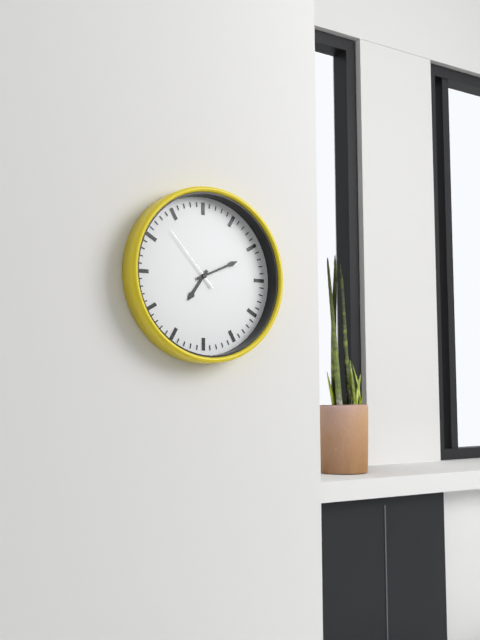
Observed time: 7:11:53
